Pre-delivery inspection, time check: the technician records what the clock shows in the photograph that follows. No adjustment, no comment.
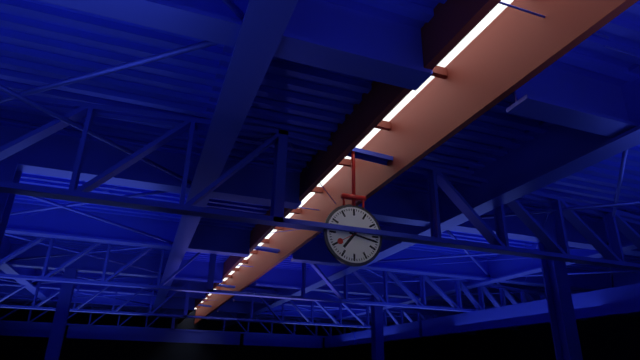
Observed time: 7:17
